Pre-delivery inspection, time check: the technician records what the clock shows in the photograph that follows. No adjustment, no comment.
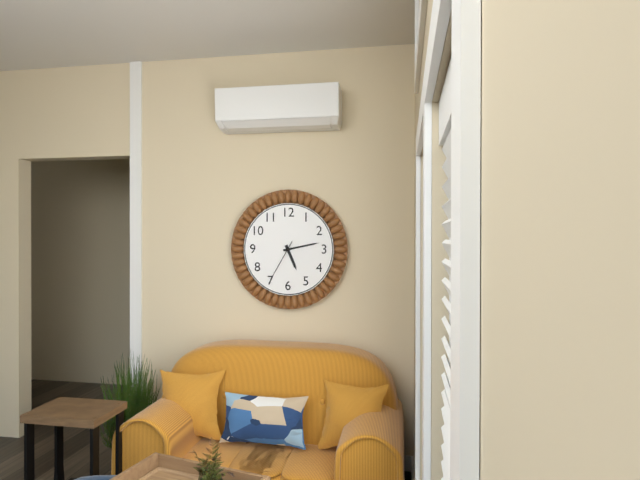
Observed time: 5:13
